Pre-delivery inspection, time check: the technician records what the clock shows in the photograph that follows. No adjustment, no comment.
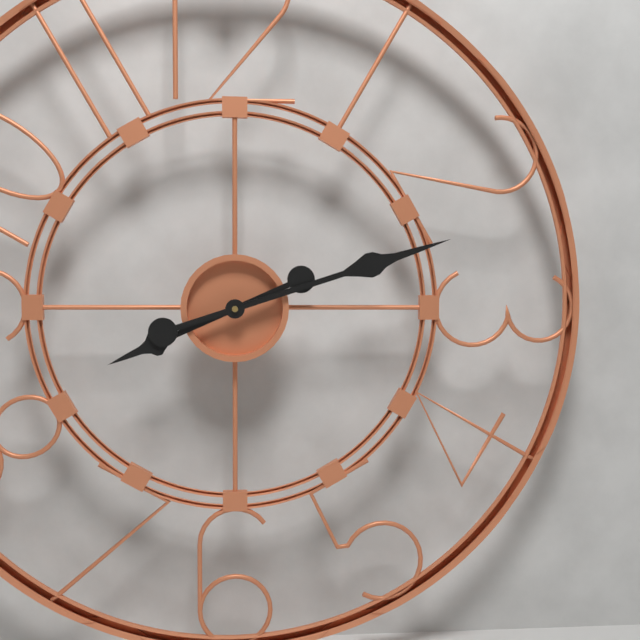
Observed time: 8:12
